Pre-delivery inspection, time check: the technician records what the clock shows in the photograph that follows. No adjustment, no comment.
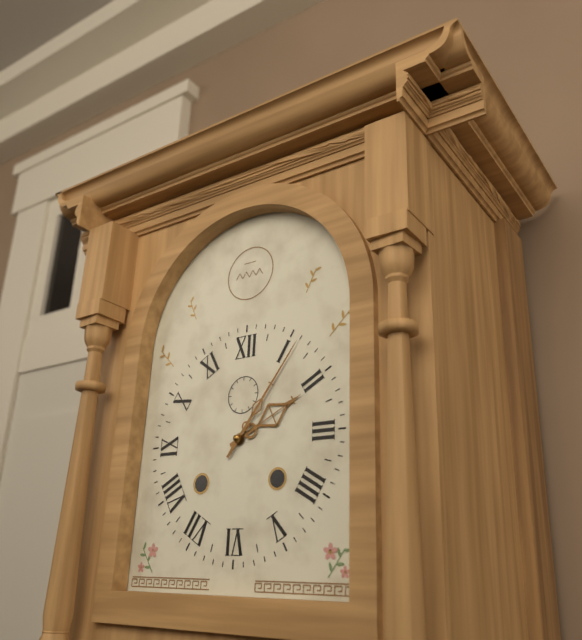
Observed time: 2:06
